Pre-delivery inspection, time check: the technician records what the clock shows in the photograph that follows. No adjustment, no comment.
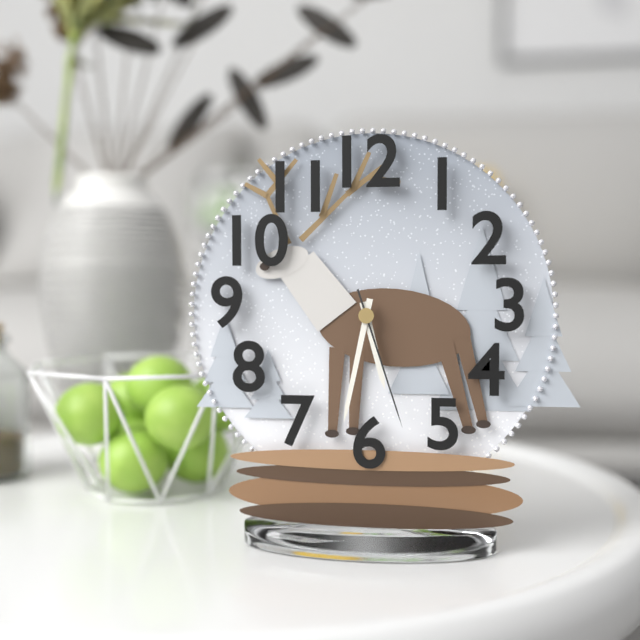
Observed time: 5:32:27
